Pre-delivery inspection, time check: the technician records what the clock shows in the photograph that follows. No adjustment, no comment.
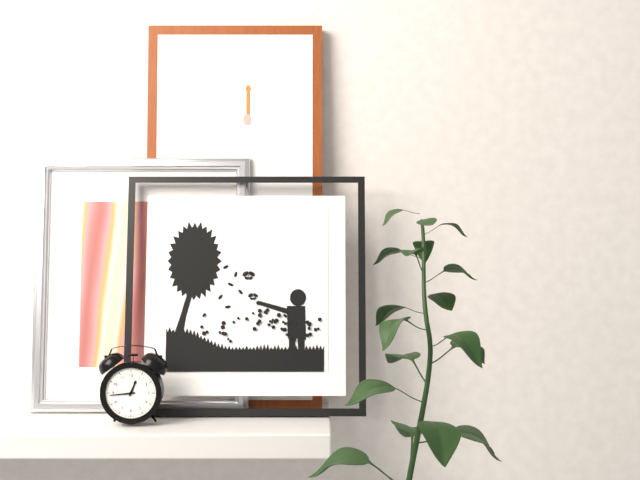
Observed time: 12:44
